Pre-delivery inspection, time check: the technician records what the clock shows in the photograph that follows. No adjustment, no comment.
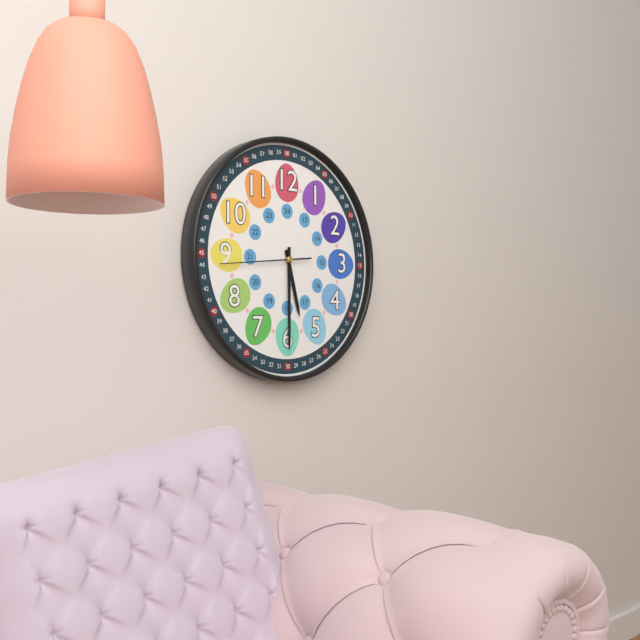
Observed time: 5:30:44
